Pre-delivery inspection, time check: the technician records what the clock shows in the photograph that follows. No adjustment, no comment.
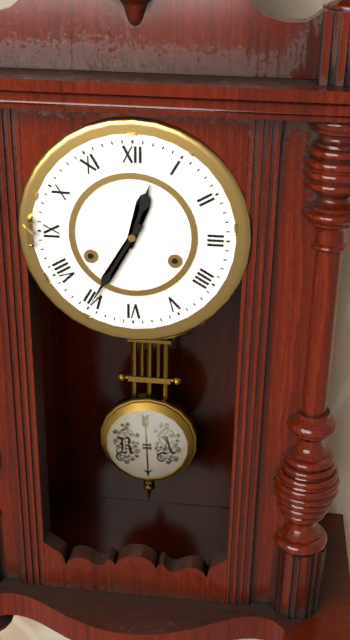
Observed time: 12:35
